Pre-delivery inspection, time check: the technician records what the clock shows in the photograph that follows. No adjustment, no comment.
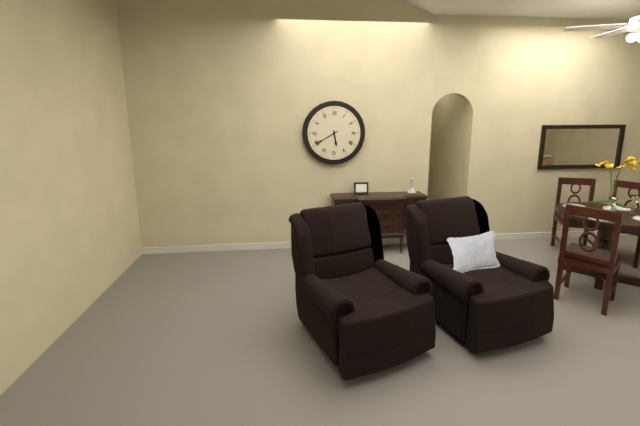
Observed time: 5:40
